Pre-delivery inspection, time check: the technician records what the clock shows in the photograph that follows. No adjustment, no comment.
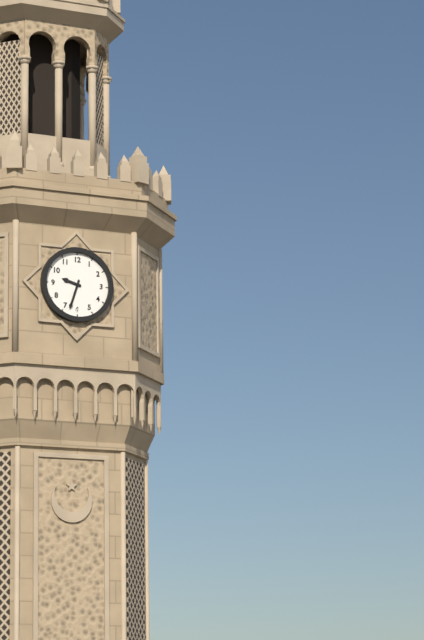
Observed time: 9:33
